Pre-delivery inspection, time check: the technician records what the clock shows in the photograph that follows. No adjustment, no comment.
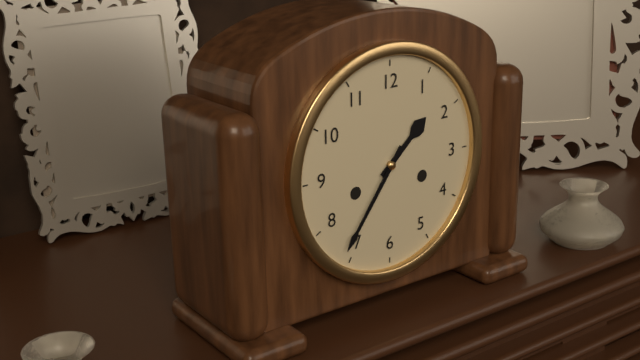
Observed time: 1:36
